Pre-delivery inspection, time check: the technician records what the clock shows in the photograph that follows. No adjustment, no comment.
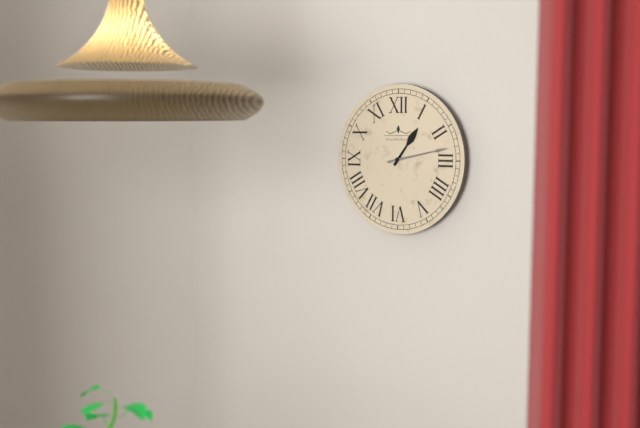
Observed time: 1:13
